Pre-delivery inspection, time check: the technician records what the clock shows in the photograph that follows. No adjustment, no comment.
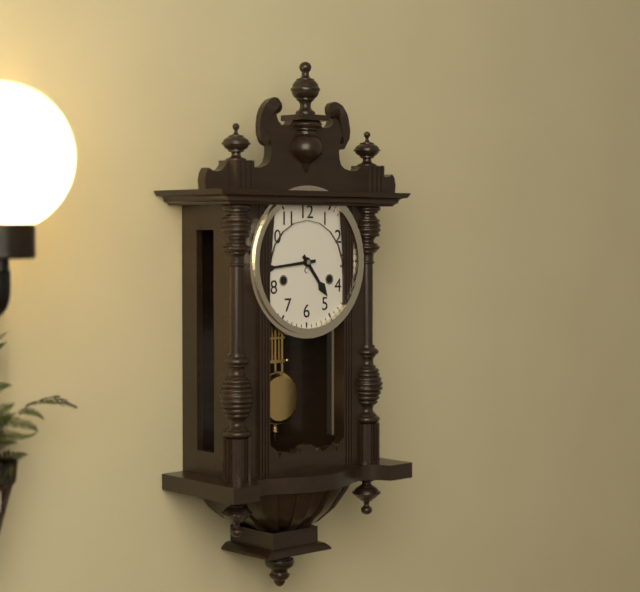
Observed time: 4:44
